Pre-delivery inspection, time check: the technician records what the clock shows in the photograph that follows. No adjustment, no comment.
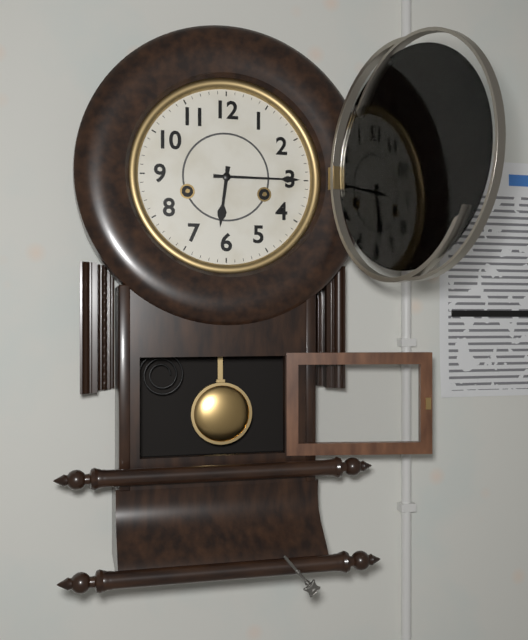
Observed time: 6:15
